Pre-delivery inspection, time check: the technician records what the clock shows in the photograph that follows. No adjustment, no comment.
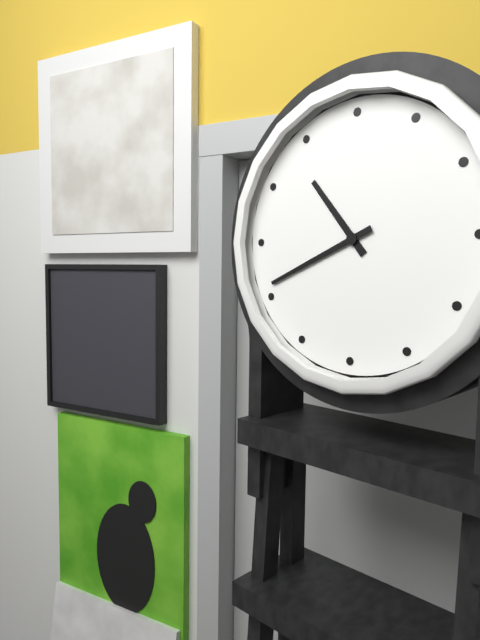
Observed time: 10:41
